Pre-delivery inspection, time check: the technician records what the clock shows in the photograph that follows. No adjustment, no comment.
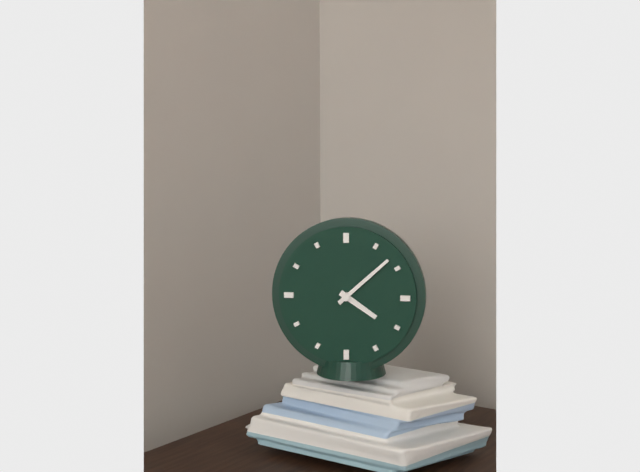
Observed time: 4:08
